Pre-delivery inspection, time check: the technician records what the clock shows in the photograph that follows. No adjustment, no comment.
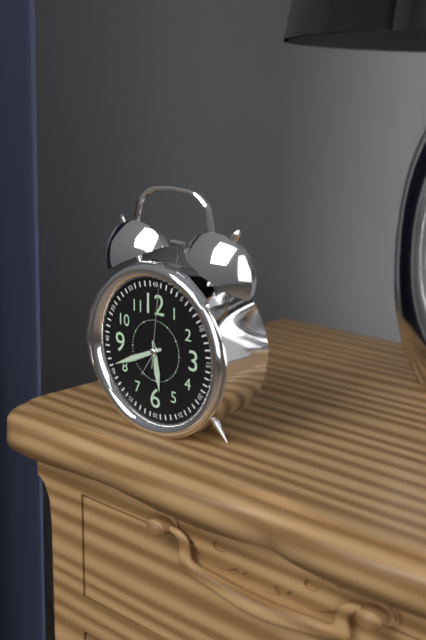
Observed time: 5:41:01
